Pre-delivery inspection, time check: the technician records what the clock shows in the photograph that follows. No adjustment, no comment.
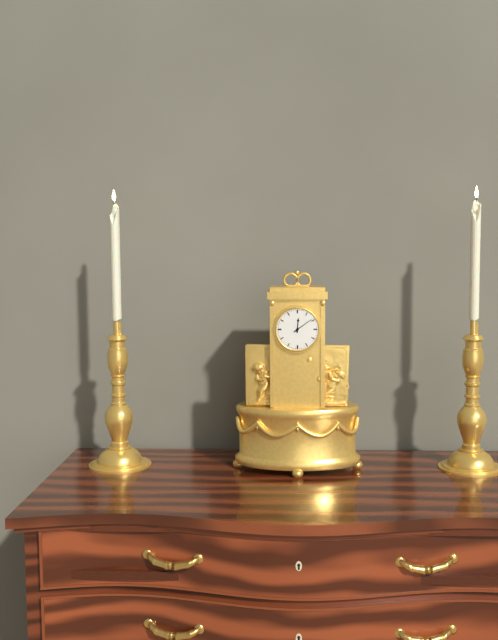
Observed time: 12:09
